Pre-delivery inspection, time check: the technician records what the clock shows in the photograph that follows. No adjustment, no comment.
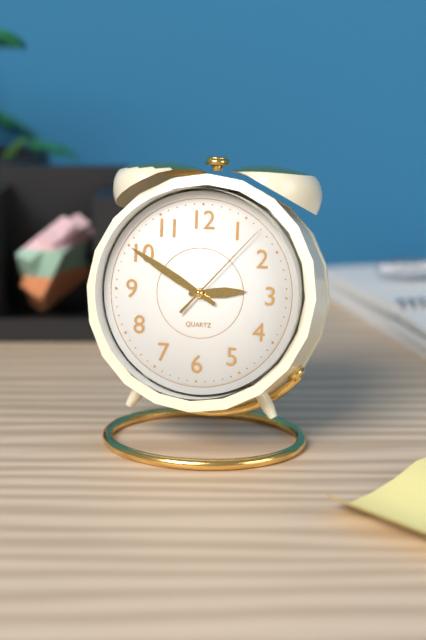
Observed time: 2:50:07
